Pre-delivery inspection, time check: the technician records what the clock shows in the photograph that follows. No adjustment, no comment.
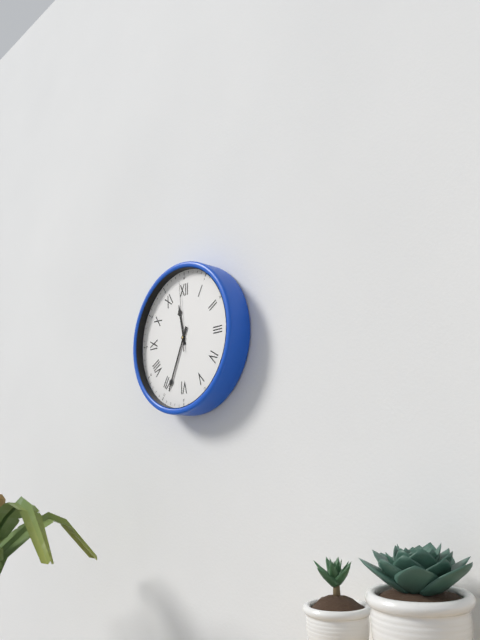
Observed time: 11:34:59
